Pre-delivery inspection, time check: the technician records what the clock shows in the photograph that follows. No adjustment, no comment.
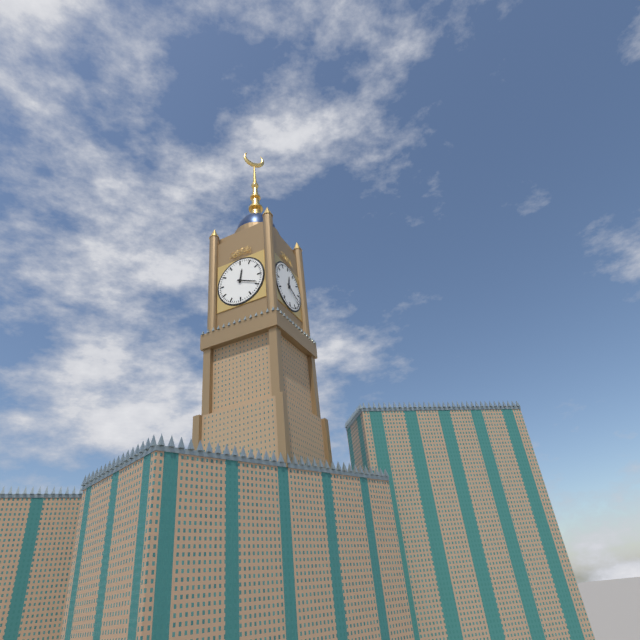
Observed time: 12:19
